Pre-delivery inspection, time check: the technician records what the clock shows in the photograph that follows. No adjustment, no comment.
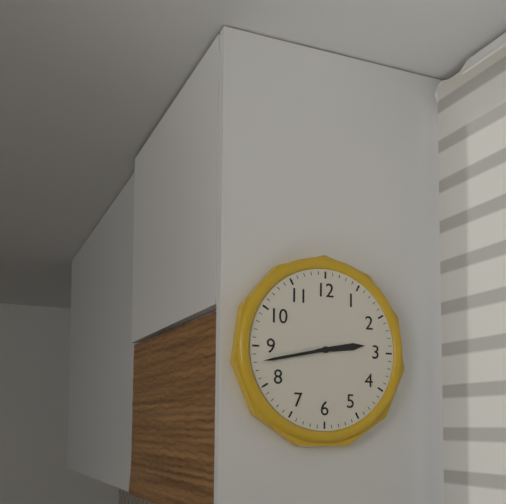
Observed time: 2:43
